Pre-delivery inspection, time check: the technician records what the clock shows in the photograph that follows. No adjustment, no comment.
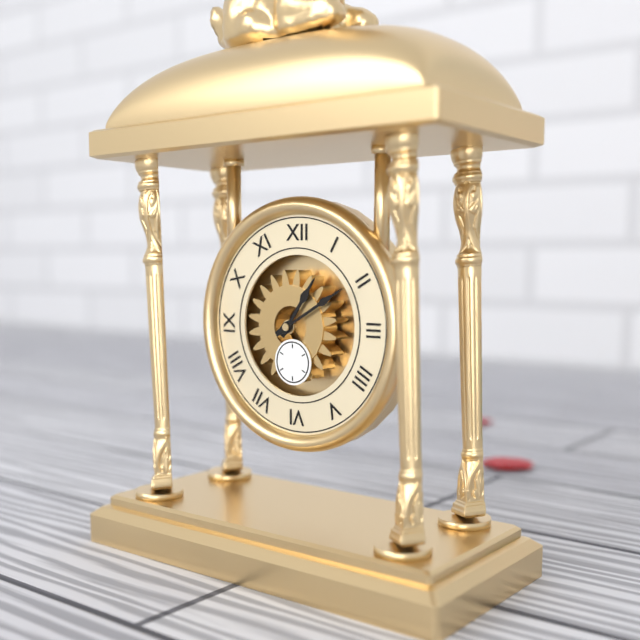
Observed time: 1:10
